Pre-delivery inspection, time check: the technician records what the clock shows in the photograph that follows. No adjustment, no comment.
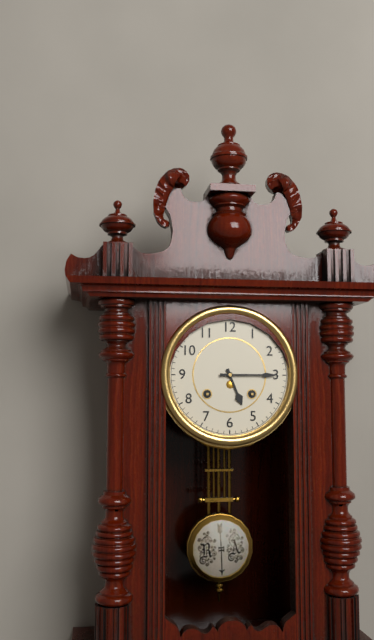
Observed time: 5:15
